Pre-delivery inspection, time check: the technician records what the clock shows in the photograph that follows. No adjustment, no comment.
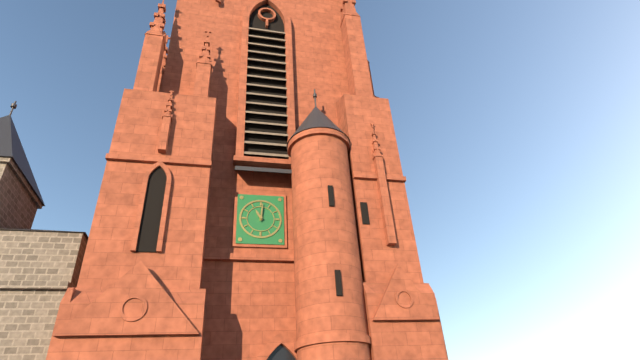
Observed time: 11:01
